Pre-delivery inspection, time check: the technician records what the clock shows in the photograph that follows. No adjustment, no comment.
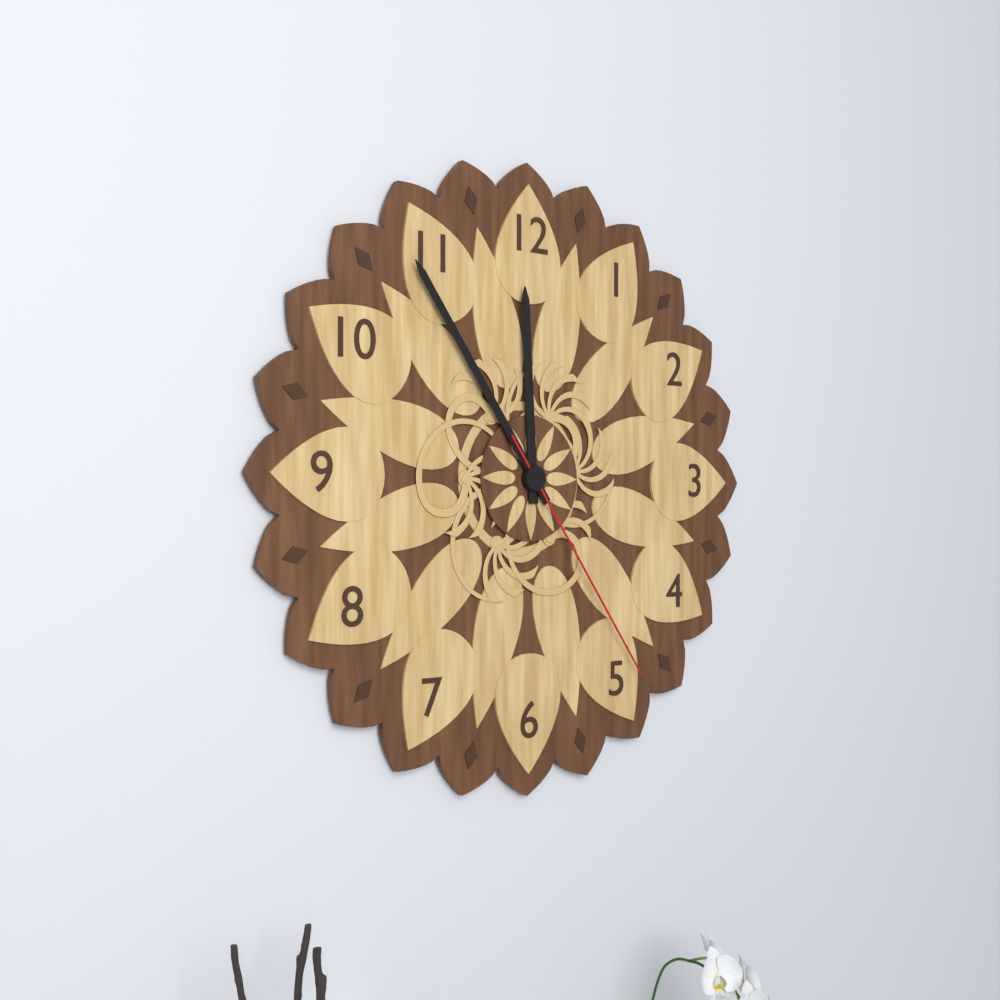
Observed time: 11:54:24
